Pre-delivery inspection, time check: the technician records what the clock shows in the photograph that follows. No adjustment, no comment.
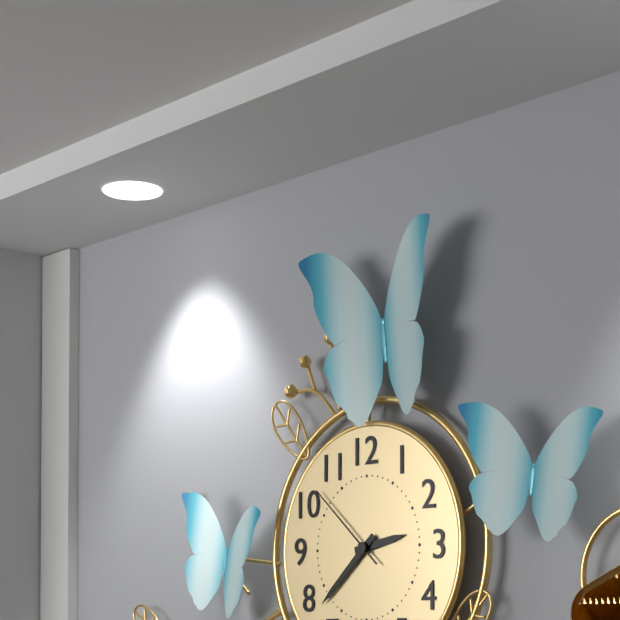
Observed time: 2:38:52
